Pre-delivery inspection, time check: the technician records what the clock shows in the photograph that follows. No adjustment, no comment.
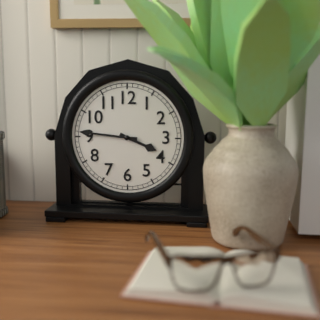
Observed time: 3:46
